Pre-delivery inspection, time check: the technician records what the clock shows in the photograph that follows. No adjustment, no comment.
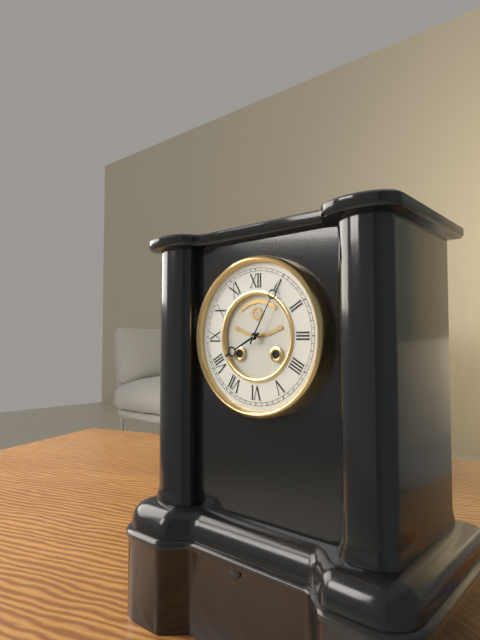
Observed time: 8:05
